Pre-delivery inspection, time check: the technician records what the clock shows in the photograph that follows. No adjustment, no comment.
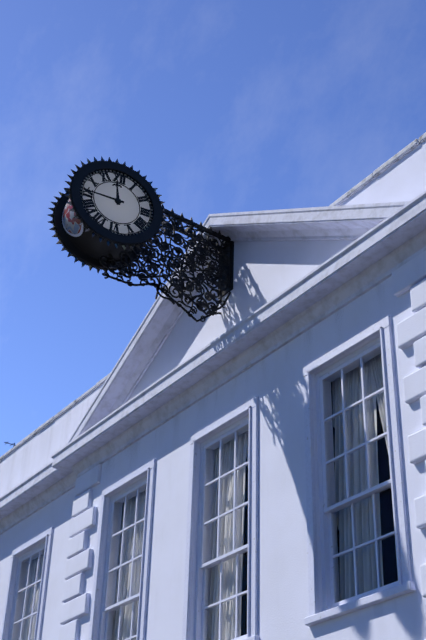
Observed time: 11:45
